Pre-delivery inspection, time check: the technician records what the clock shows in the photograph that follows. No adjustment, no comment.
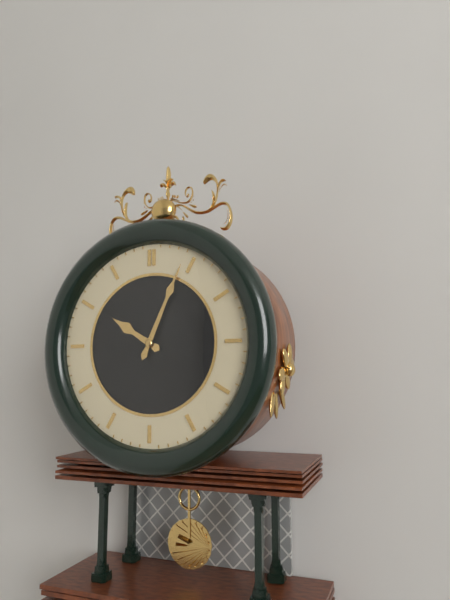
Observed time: 10:04
